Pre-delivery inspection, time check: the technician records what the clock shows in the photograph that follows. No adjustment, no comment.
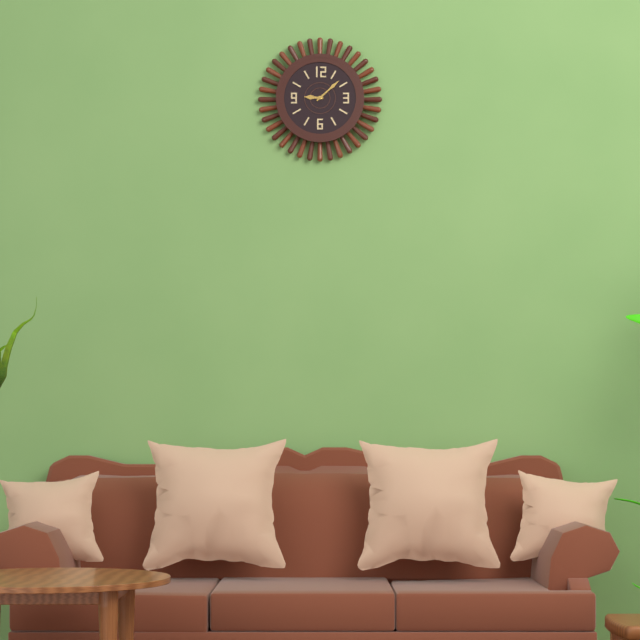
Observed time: 9:08
